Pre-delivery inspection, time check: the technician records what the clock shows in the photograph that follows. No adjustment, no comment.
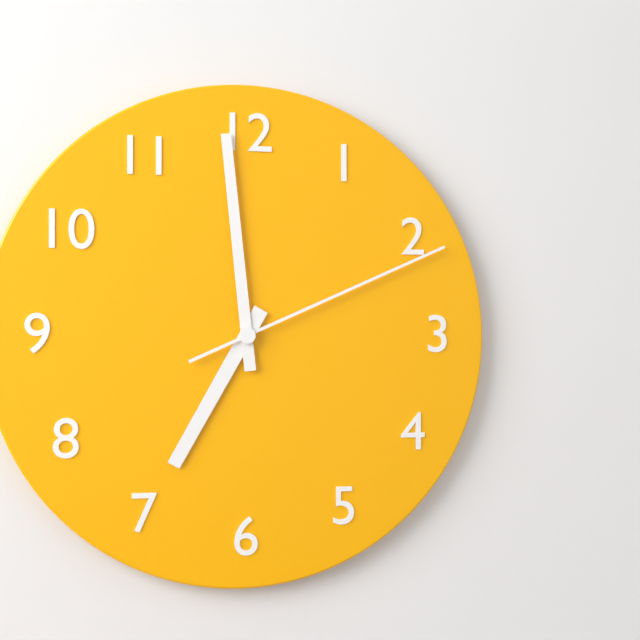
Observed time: 6:59:11
